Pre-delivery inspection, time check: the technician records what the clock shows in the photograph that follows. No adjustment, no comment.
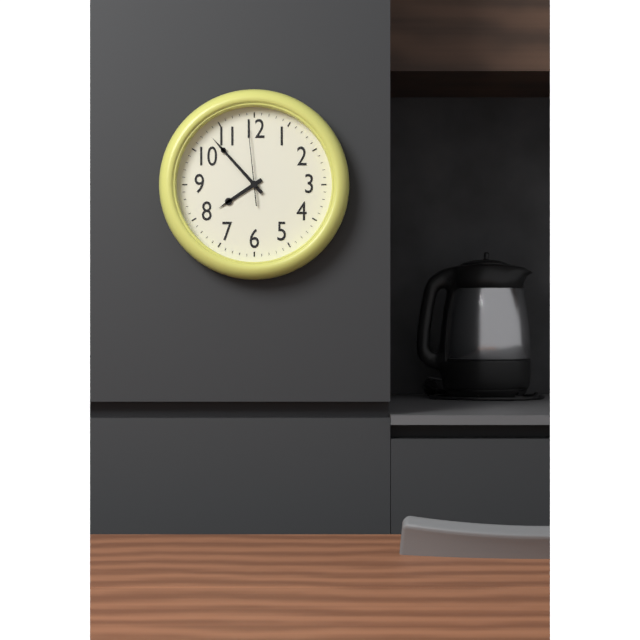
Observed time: 7:53:59
